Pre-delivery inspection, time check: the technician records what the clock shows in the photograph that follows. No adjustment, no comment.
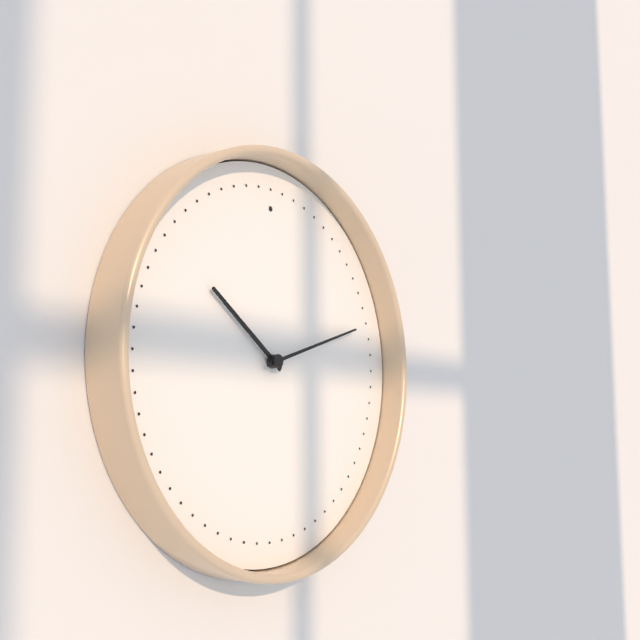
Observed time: 10:12
